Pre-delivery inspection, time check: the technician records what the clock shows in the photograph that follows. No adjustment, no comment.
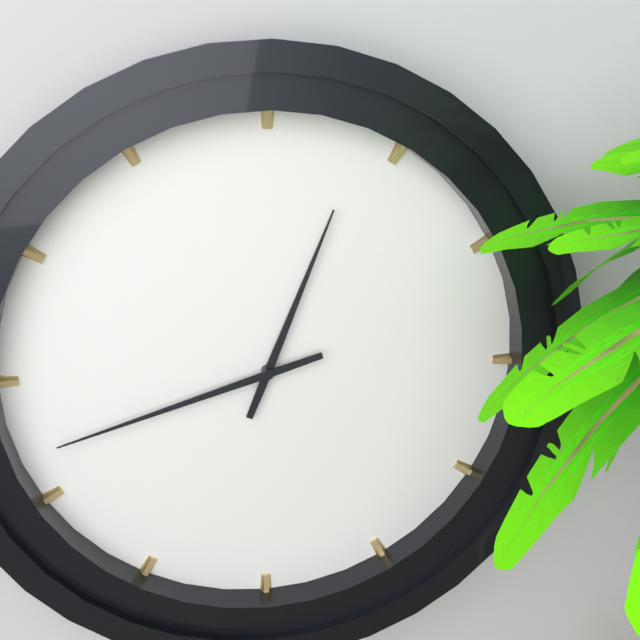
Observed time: 12:42
